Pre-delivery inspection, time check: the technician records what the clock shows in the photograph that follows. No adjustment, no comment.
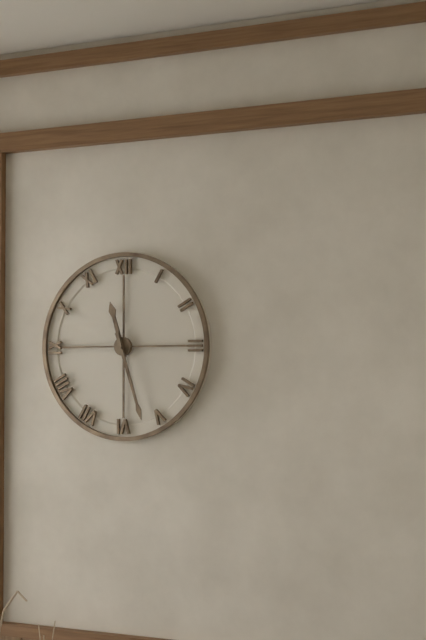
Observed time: 11:27
